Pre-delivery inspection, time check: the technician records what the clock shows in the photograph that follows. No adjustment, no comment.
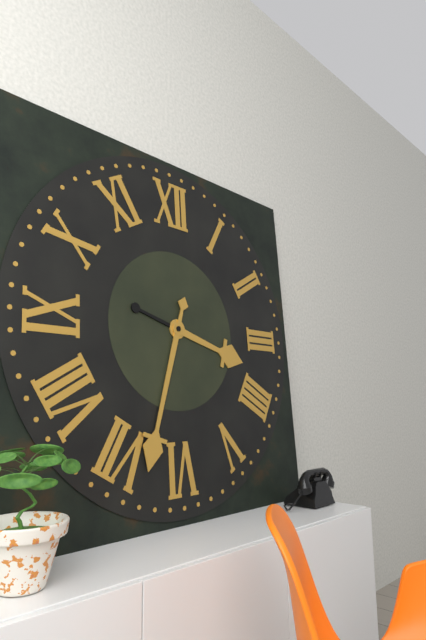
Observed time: 3:33
